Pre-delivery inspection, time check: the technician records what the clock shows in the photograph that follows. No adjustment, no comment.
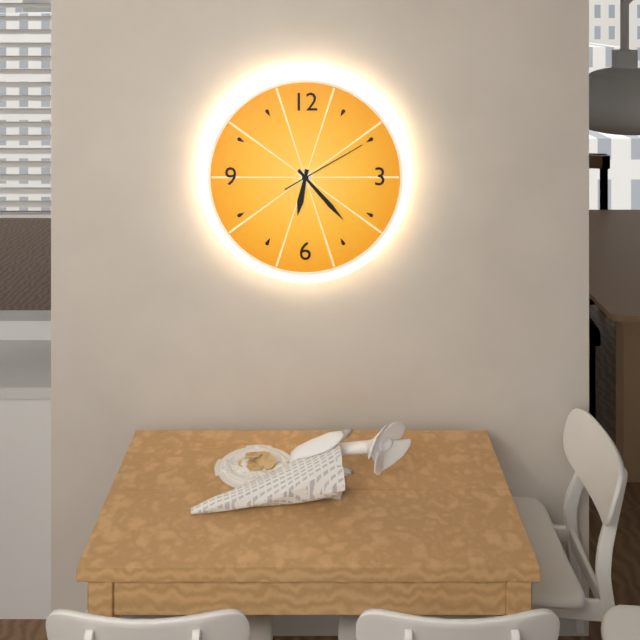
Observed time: 6:23:10
